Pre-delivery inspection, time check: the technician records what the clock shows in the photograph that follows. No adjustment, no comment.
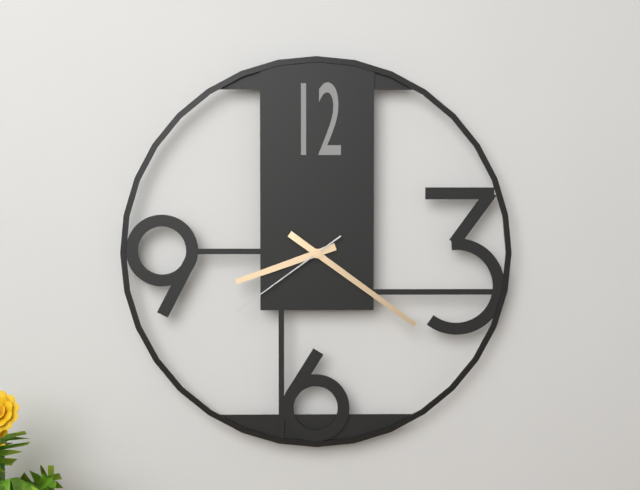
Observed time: 8:21:39
